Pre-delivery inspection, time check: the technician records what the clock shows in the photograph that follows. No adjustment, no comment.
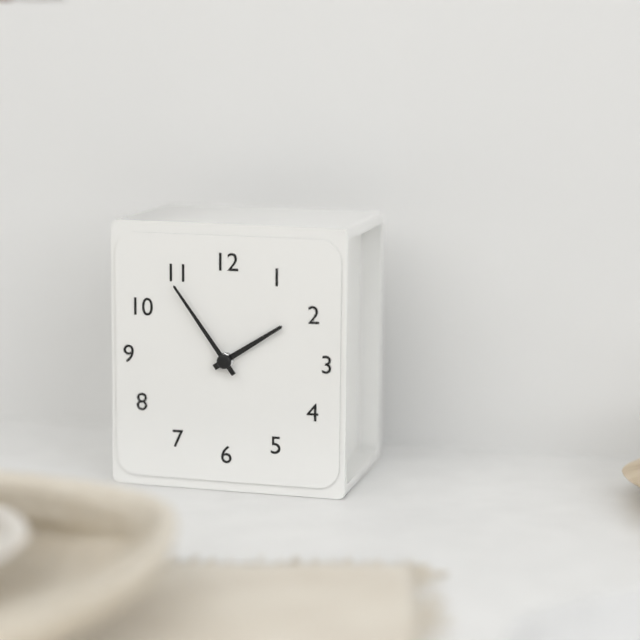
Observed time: 1:54
